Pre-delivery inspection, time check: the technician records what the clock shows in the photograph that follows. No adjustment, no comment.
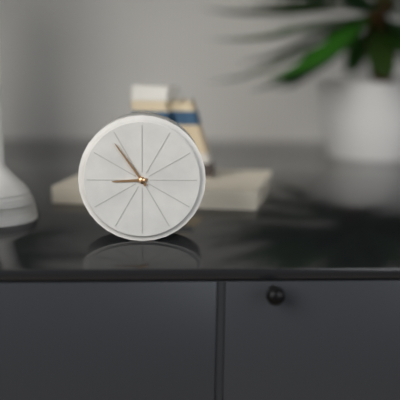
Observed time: 8:54
